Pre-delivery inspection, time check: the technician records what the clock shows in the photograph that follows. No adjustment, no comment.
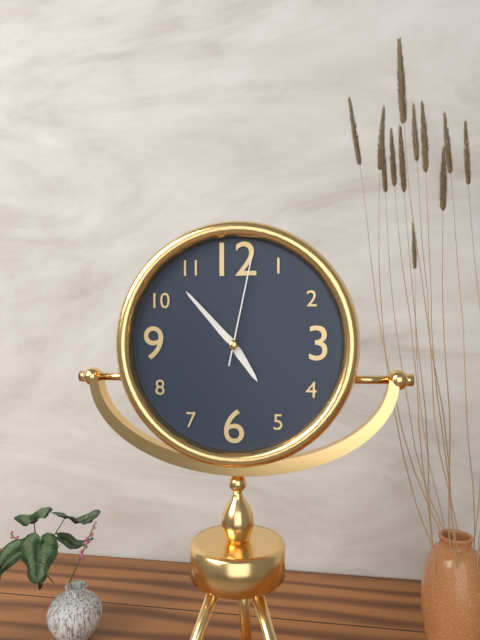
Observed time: 4:53:02
